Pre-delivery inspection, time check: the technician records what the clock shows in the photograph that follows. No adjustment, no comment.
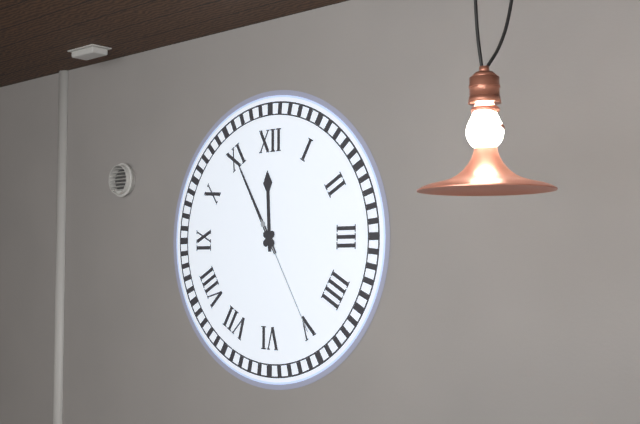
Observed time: 11:55:25
